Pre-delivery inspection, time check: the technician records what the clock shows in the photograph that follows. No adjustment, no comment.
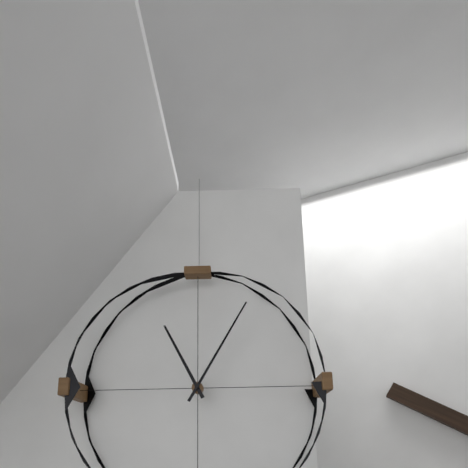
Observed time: 11:05
